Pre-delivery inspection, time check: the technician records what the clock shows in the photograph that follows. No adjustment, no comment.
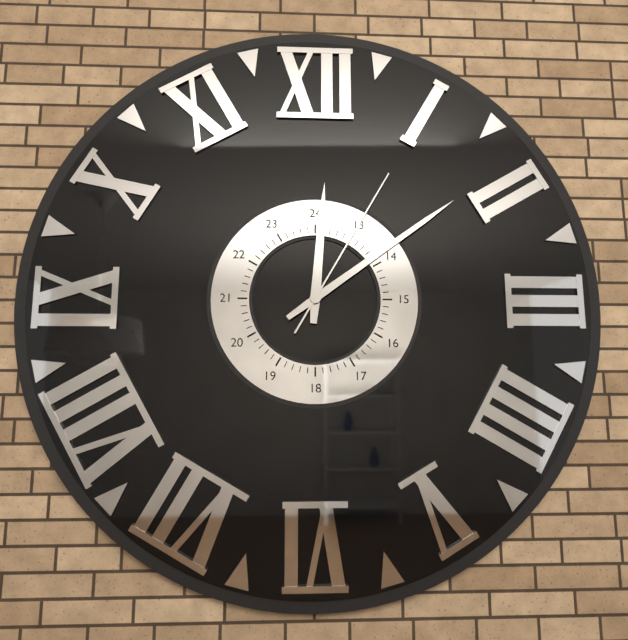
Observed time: 12:09:05
